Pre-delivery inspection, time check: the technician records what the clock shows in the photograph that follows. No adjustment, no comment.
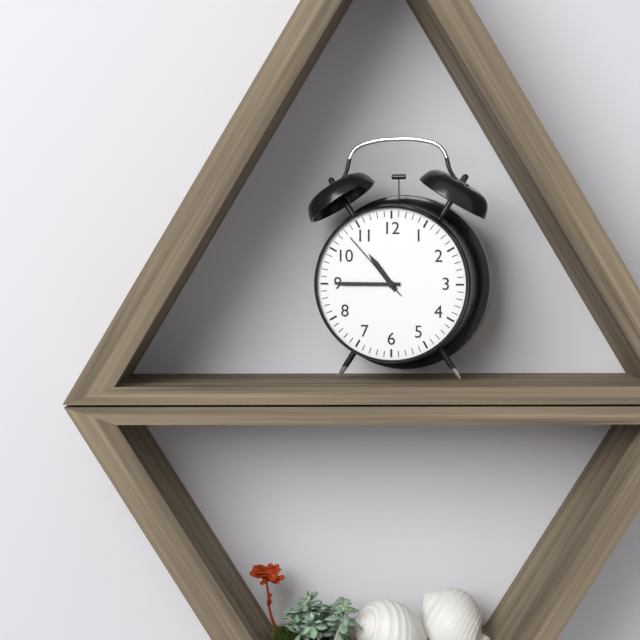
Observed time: 10:45:53
